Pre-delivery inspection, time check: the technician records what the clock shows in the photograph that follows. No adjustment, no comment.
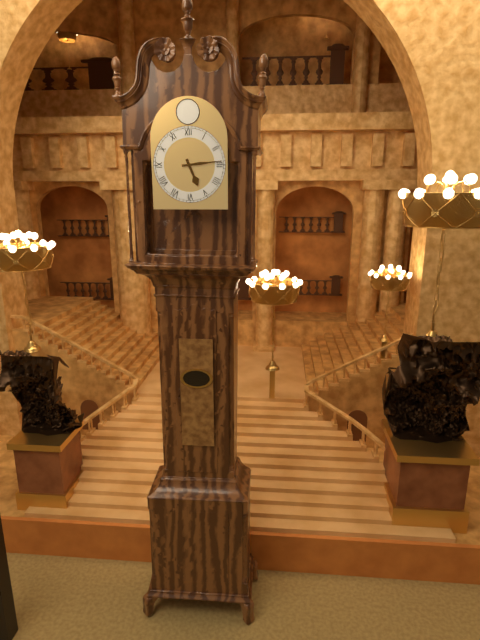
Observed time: 5:14
